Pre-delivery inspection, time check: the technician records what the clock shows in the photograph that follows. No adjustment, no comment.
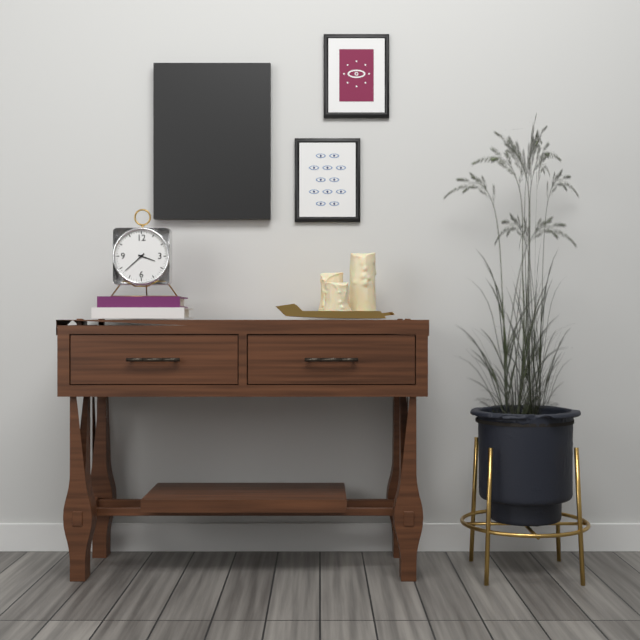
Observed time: 3:38
